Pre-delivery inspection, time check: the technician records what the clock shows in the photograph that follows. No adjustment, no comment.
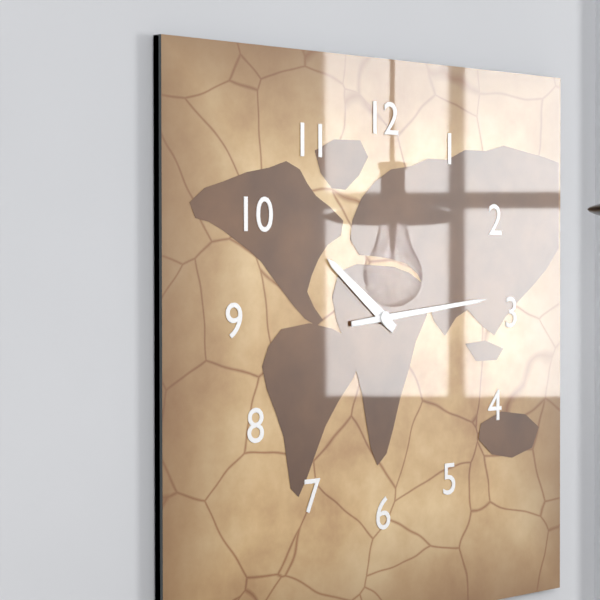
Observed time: 10:14
